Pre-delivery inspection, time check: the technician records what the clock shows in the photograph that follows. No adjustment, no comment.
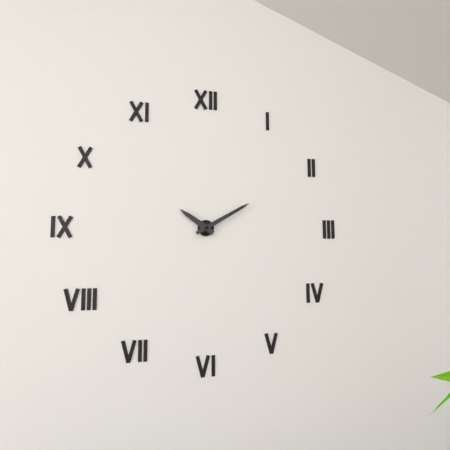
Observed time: 10:10
